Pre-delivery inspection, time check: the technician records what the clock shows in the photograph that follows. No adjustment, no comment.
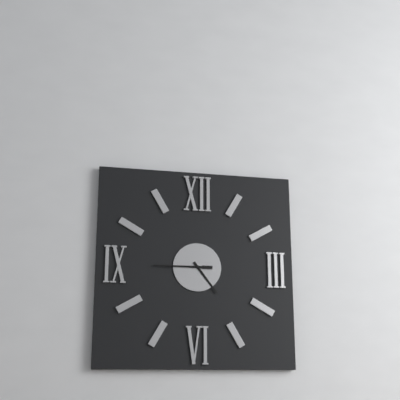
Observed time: 4:45
